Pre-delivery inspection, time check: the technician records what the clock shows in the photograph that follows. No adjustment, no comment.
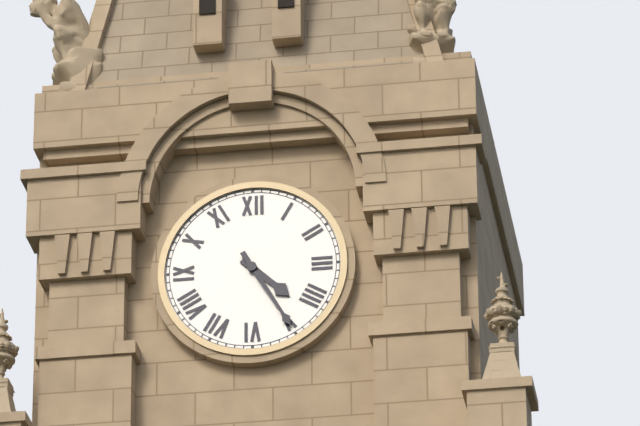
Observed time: 4:25
